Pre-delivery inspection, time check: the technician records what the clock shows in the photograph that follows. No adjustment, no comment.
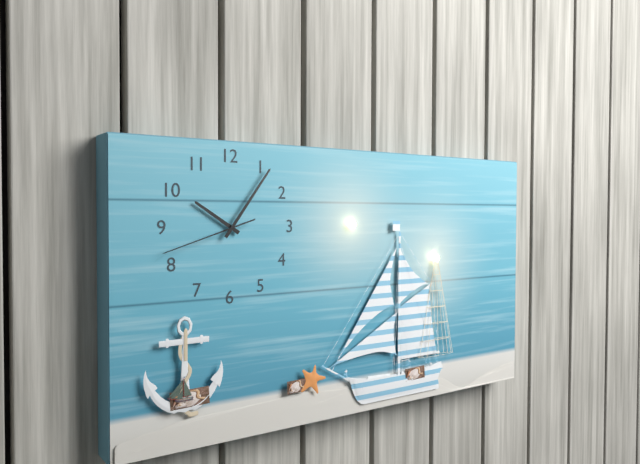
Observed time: 10:06:42
